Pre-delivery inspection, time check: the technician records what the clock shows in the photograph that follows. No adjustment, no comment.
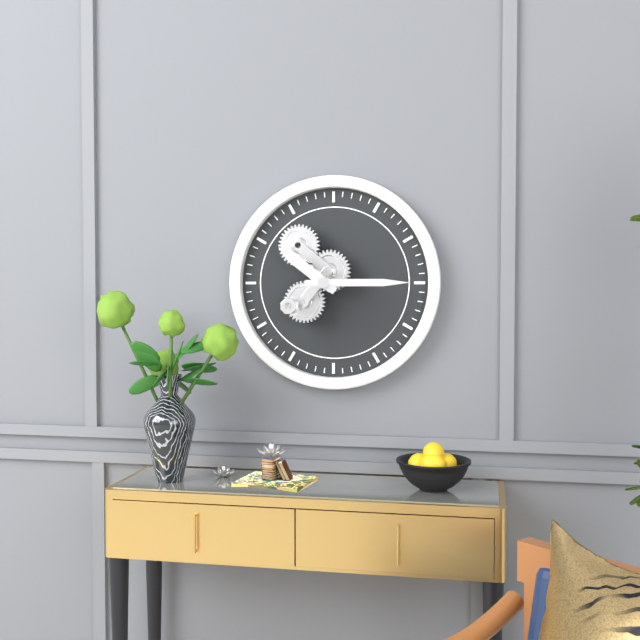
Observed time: 10:15
